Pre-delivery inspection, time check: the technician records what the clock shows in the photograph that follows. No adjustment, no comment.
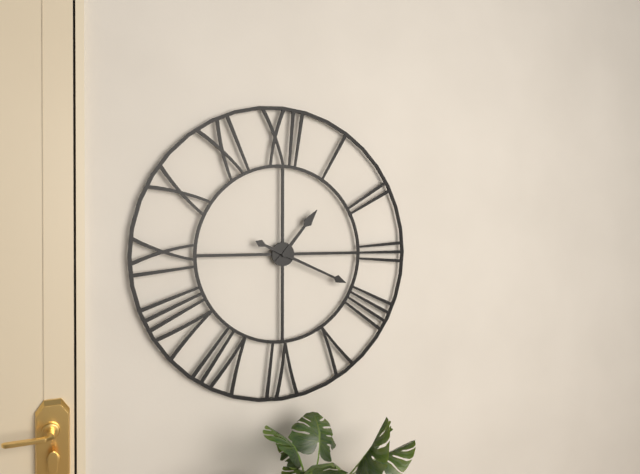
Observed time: 1:19
